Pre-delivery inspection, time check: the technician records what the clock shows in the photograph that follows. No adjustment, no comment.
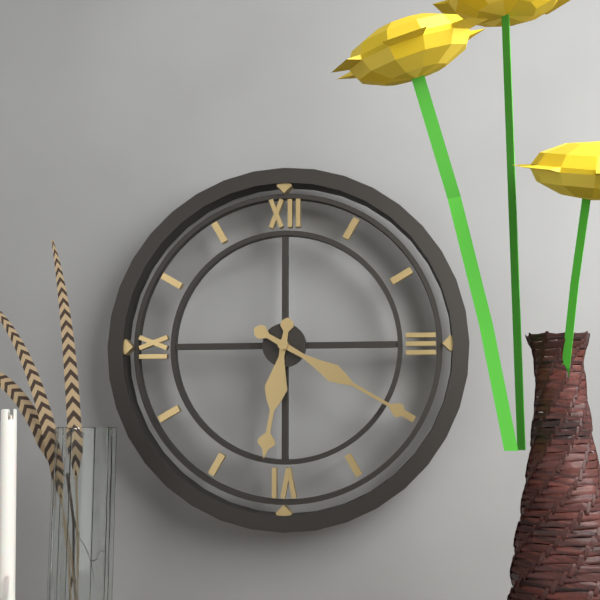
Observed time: 6:20
